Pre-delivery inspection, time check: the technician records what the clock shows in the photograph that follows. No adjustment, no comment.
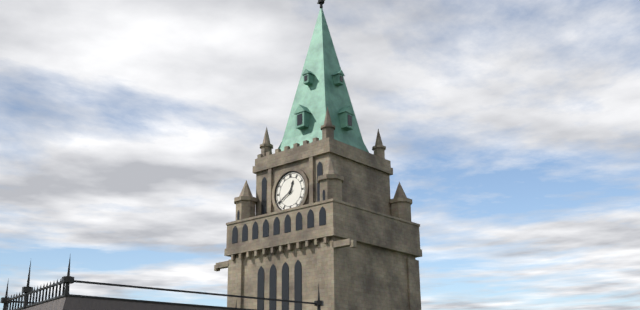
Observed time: 12:40
